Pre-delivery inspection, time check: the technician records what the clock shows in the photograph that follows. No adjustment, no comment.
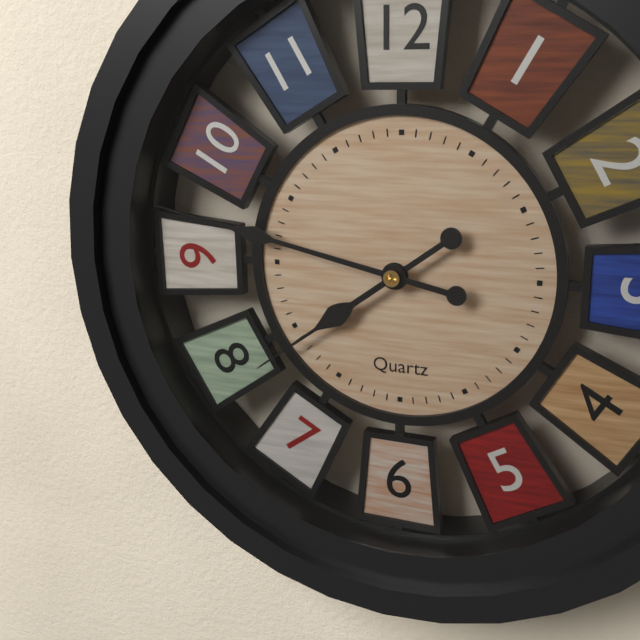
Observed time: 7:47
